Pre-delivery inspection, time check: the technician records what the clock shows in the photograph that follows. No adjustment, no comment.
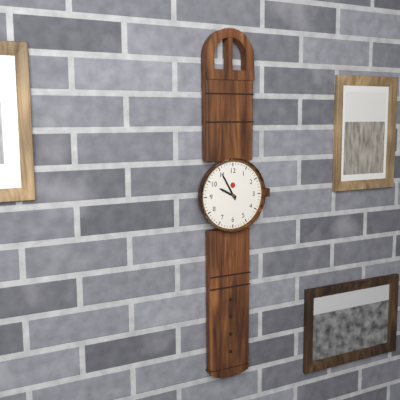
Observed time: 9:55
